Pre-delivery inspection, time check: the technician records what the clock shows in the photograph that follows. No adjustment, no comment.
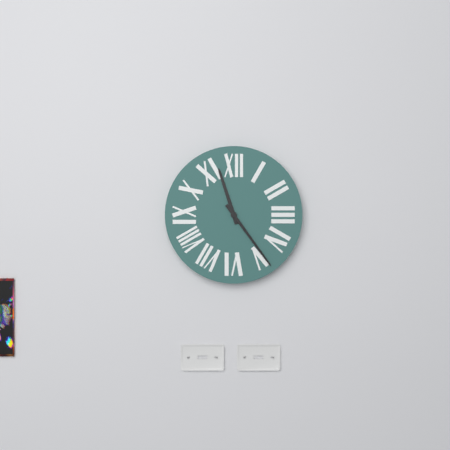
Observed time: 11:24
